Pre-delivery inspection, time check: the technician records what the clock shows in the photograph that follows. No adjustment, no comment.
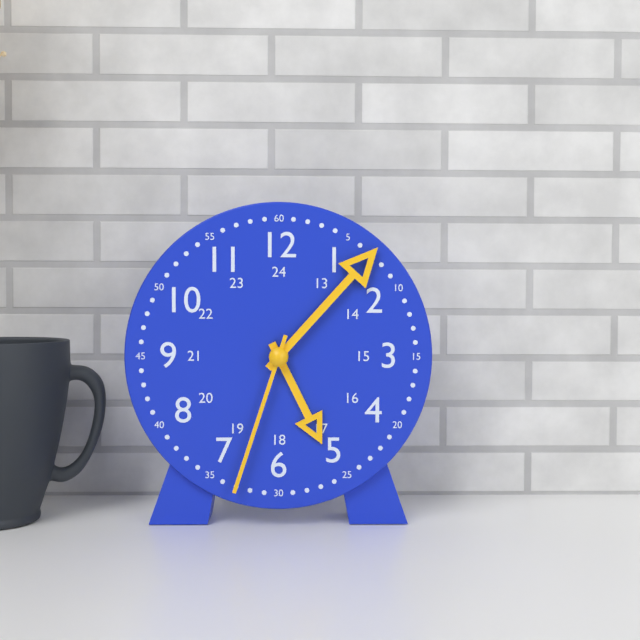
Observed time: 5:07:33
